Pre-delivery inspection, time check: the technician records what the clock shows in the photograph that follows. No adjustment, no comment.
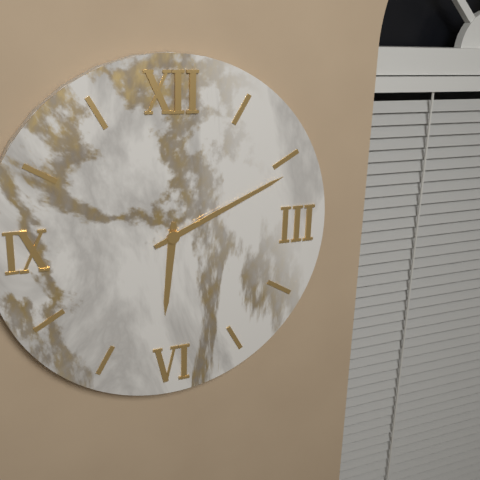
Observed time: 6:11
